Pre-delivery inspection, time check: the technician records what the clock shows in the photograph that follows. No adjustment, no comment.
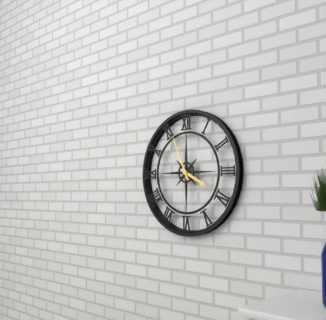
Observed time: 3:56
